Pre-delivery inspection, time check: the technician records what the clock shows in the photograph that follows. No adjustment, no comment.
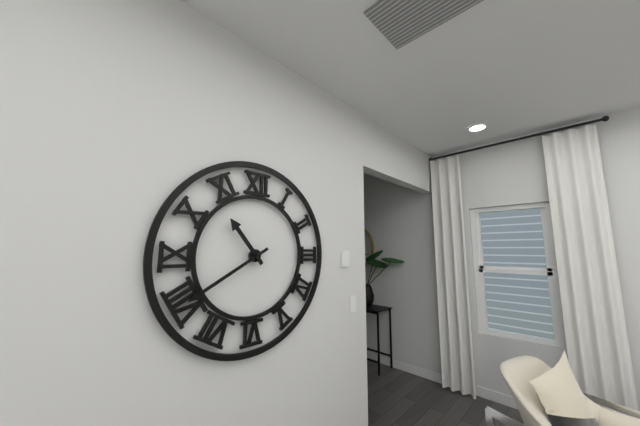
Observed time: 10:40
